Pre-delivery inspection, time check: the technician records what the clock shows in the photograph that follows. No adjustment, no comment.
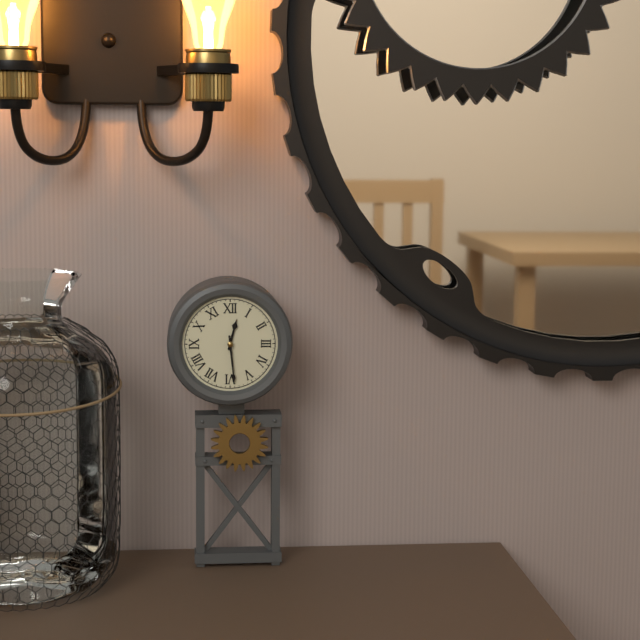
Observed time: 12:29
